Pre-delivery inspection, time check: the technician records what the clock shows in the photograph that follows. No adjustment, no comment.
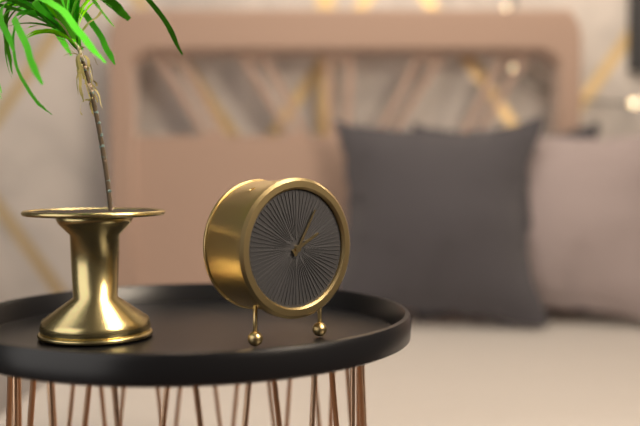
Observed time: 2:05
